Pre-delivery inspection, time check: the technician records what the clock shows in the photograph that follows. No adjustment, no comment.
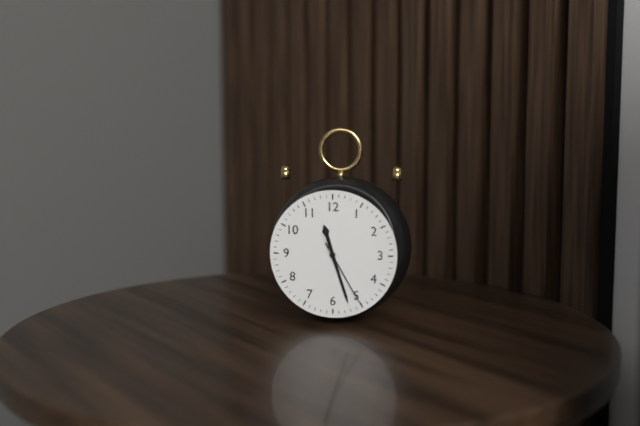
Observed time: 11:27:25
